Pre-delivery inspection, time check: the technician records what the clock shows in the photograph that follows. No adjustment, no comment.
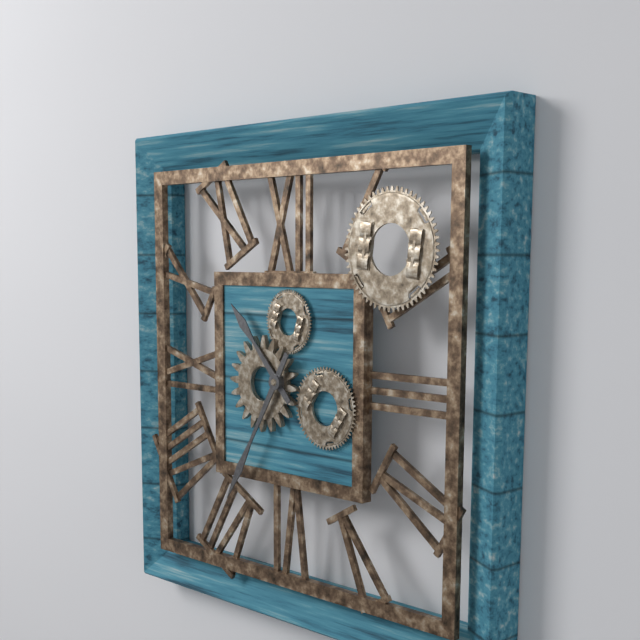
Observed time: 10:35
